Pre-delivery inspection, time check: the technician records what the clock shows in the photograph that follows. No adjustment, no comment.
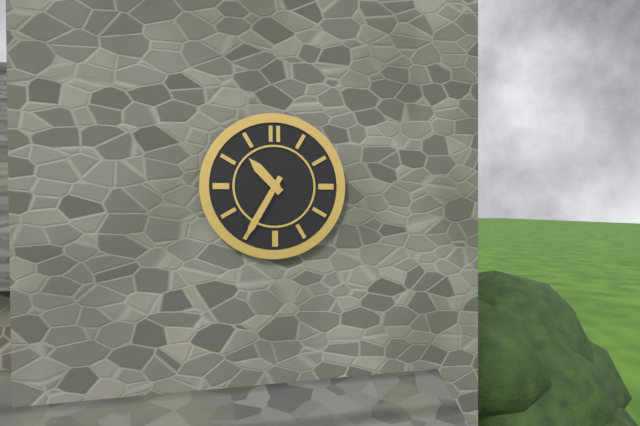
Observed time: 10:35
